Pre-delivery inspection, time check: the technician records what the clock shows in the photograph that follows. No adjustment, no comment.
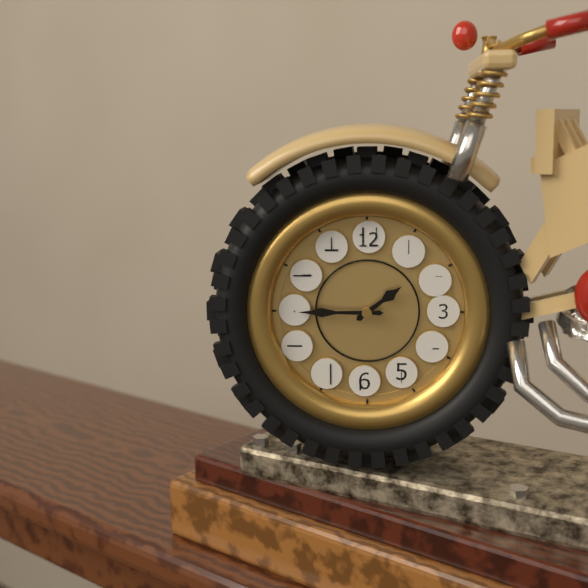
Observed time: 1:45
